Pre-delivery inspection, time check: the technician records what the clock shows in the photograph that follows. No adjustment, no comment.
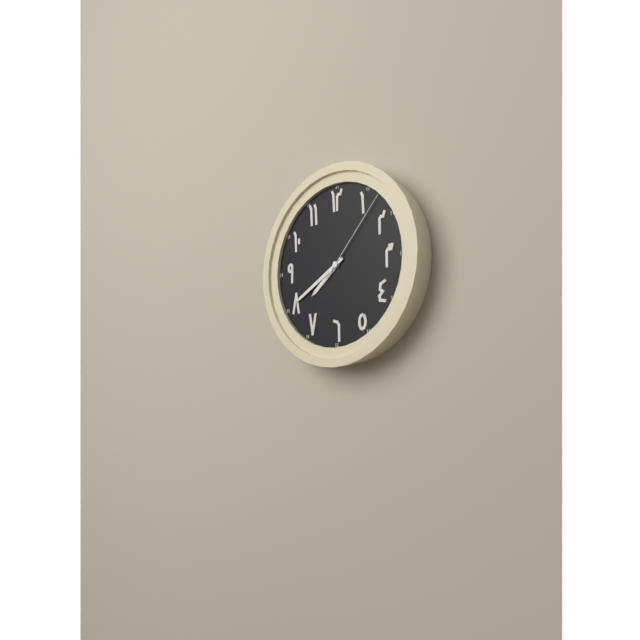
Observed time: 7:40:07
